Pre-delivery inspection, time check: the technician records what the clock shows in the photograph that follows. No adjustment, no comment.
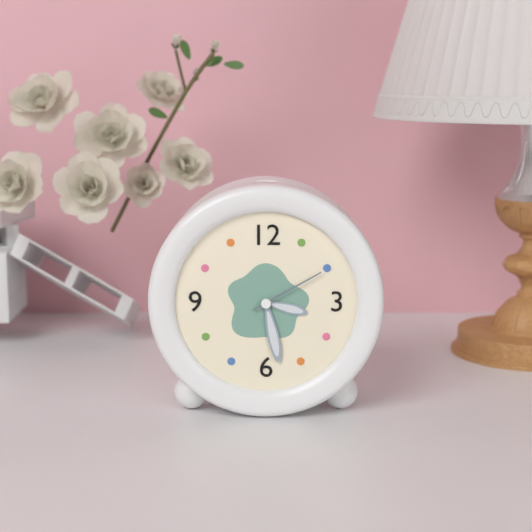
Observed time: 3:28:10
